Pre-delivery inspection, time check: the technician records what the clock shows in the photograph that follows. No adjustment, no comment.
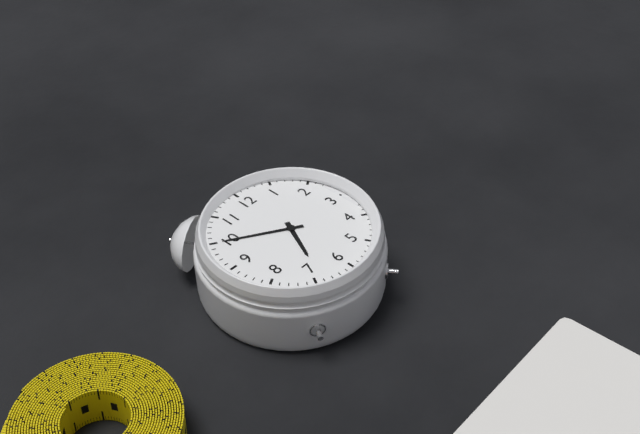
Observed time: 6:50
